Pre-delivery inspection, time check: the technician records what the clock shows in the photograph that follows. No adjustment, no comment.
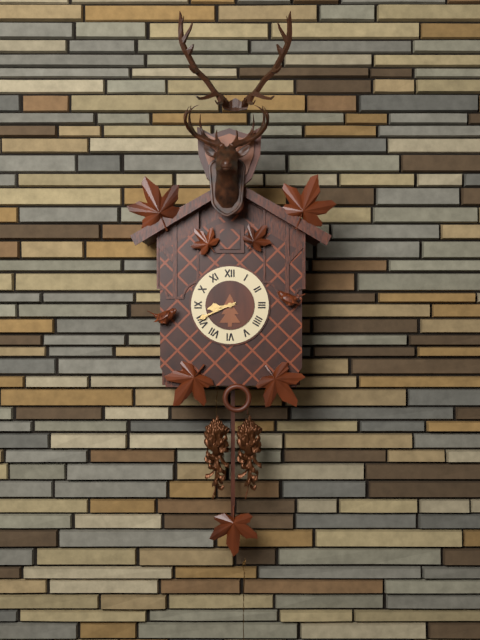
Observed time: 8:41
